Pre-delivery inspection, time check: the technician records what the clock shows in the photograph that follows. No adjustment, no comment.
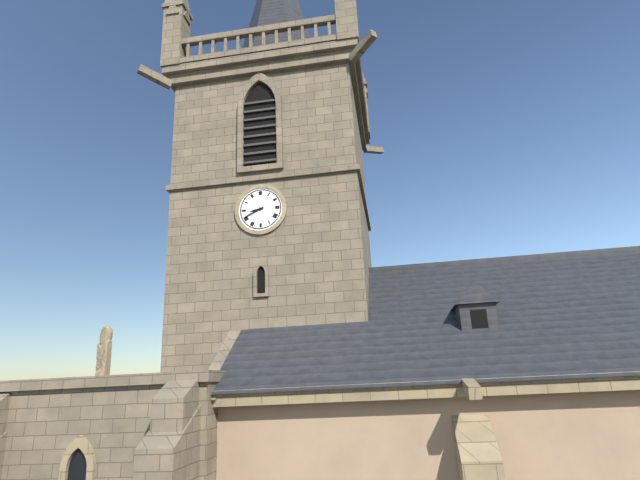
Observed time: 8:41
